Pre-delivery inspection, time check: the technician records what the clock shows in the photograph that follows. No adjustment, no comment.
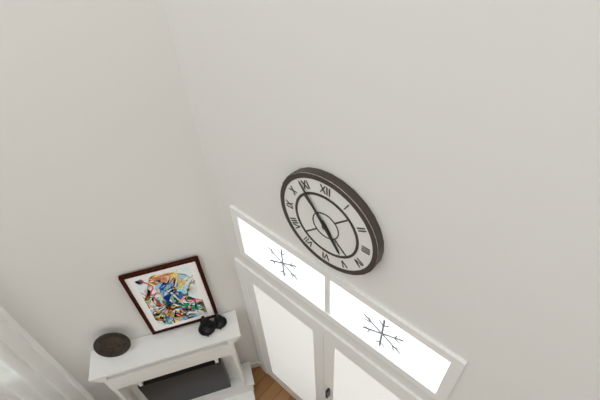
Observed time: 4:54
